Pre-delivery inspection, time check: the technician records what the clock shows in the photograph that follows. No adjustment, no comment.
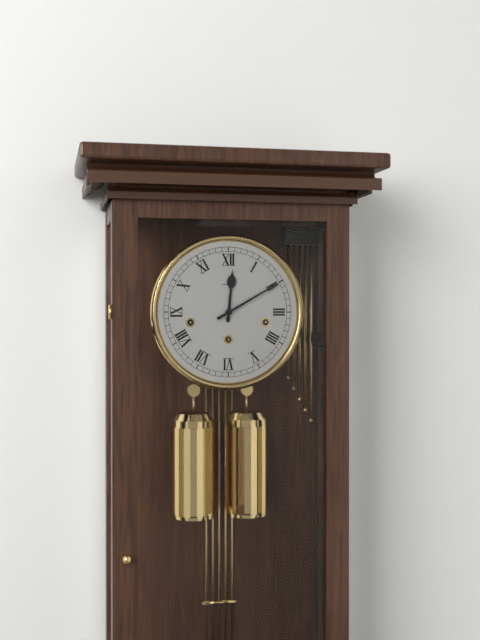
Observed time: 12:10
